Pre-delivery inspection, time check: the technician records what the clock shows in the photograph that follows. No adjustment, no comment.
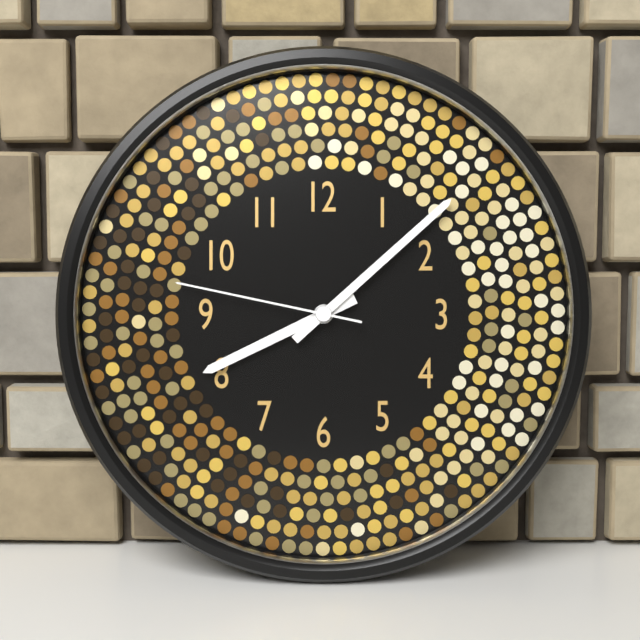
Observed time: 8:08:47
